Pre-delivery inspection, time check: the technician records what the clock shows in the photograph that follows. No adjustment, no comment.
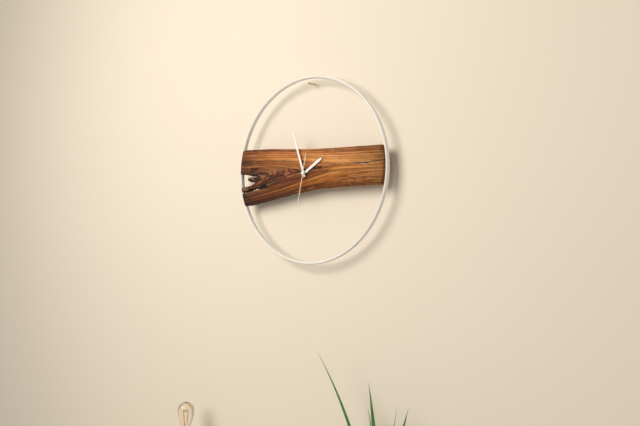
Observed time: 1:57
